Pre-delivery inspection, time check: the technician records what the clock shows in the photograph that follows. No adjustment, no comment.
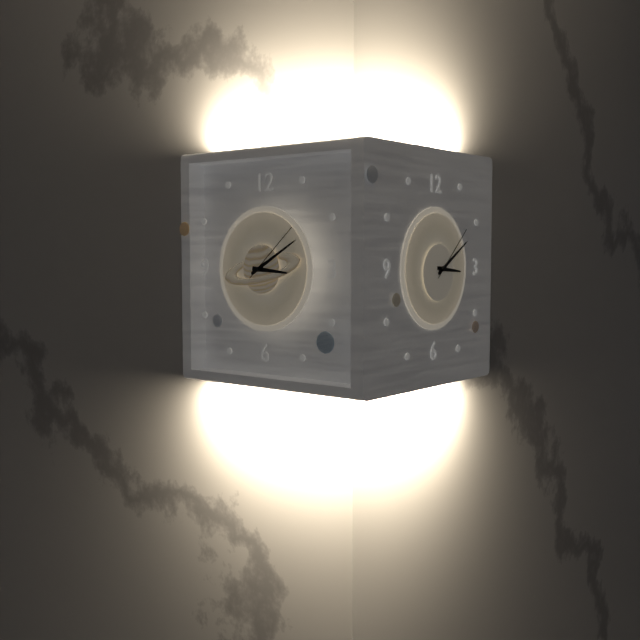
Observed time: 3:10:08
